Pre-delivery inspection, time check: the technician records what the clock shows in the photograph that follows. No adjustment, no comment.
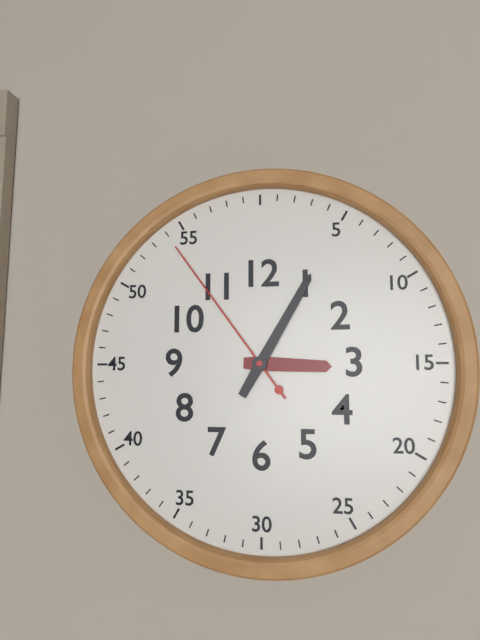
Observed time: 3:05:54
